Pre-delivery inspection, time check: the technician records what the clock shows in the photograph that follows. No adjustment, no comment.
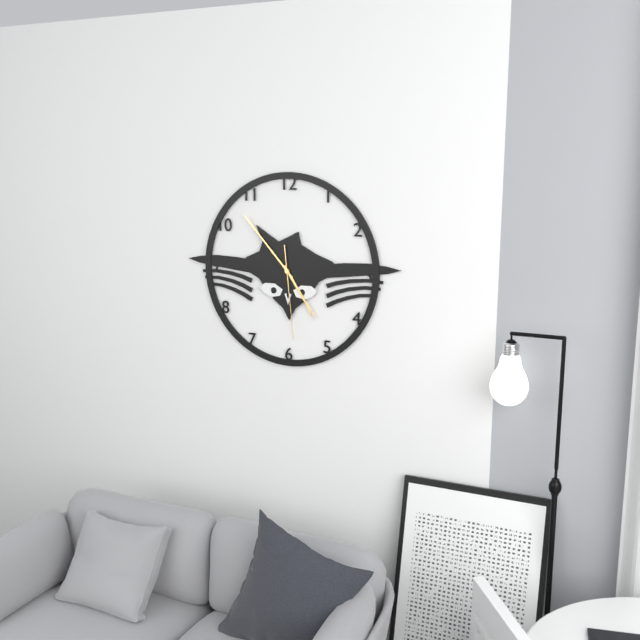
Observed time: 4:53:29
